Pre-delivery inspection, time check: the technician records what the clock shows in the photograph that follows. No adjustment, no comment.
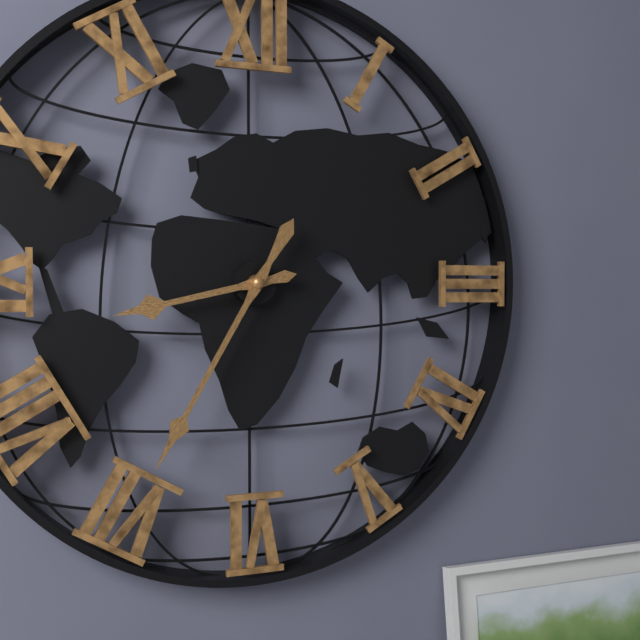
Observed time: 8:35
